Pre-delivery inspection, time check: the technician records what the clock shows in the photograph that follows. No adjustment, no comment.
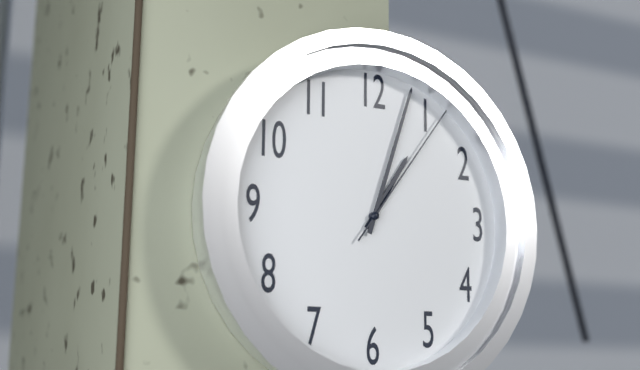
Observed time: 1:03:06
